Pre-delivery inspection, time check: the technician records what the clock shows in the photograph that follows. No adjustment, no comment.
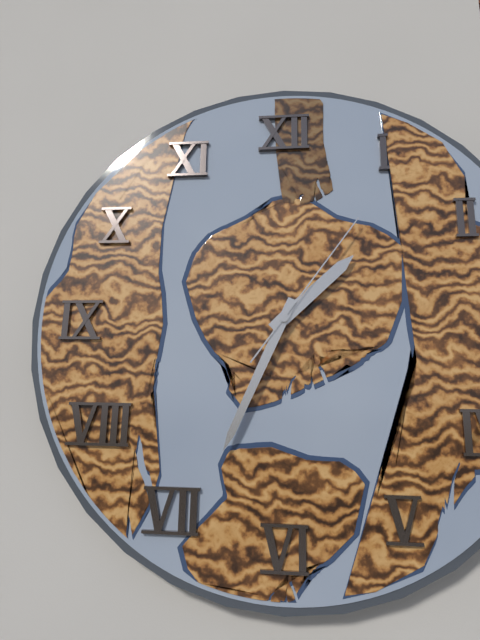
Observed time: 1:34:06
